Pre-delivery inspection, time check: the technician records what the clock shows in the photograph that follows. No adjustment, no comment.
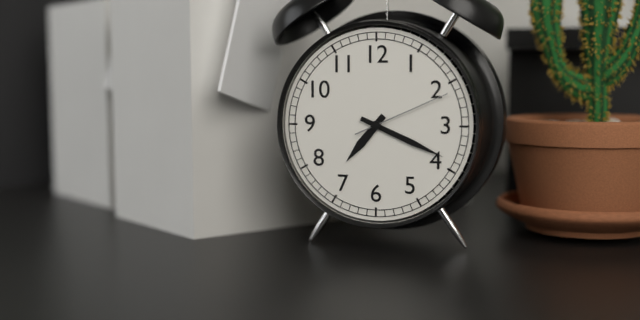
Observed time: 7:19:11
